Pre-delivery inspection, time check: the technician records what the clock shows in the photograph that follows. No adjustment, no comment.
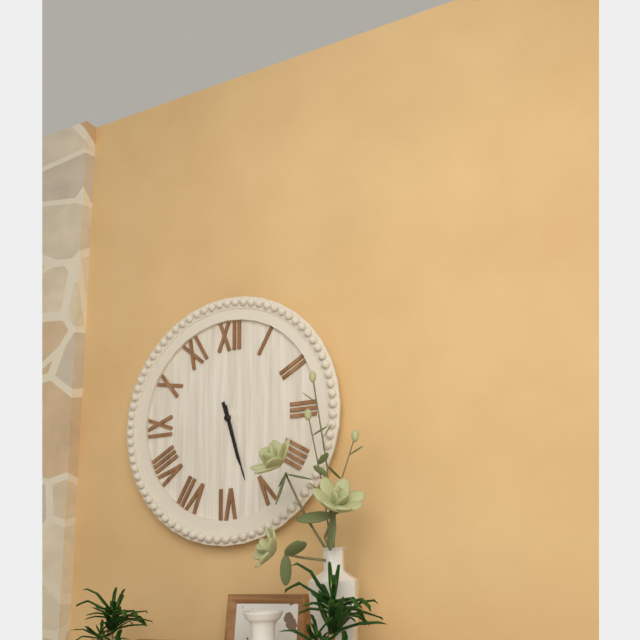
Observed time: 5:27
